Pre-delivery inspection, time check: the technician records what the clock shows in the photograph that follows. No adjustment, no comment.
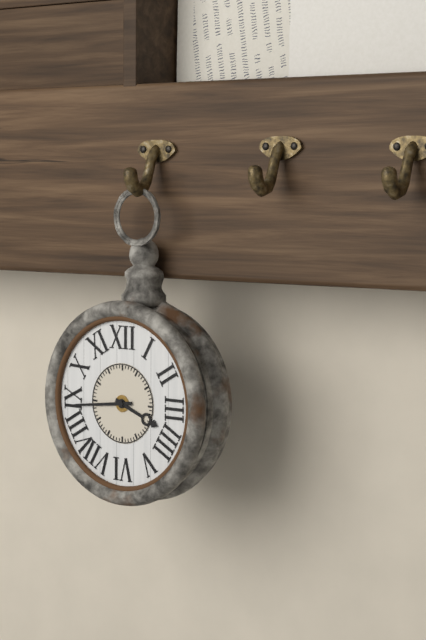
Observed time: 3:44
